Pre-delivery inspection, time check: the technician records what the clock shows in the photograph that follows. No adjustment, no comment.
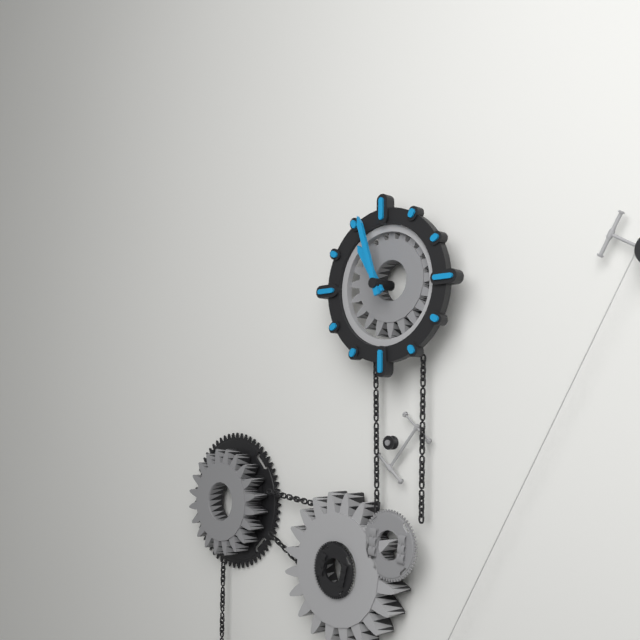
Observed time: 10:57
